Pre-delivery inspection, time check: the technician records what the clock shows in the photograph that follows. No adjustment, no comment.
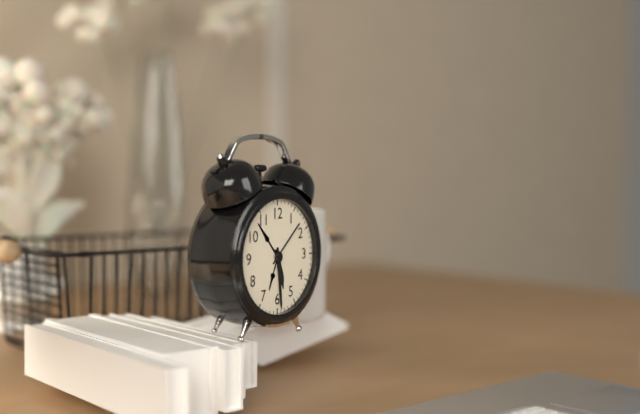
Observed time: 5:29
